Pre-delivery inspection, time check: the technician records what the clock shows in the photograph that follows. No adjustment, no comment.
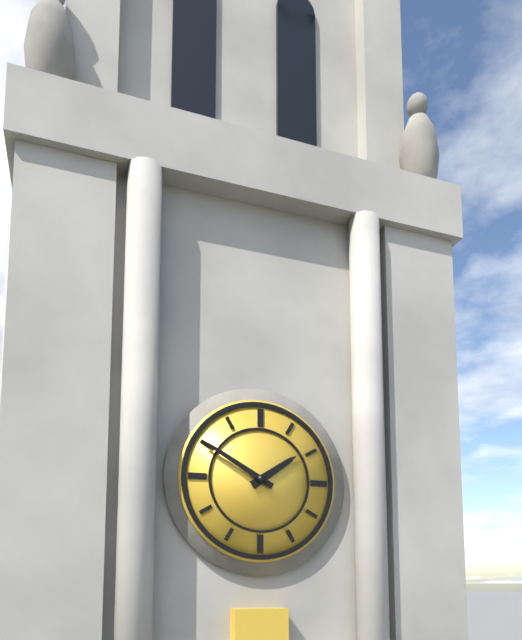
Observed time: 1:50
